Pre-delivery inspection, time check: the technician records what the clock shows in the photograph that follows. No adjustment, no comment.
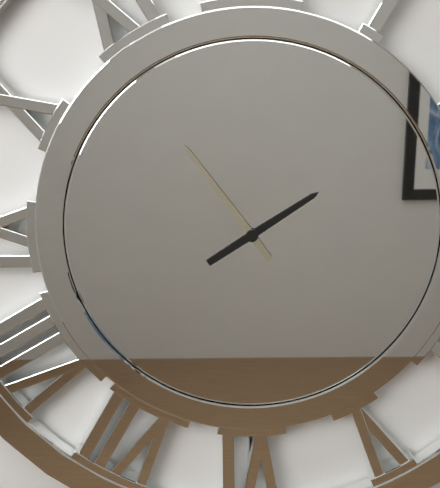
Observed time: 1:54
